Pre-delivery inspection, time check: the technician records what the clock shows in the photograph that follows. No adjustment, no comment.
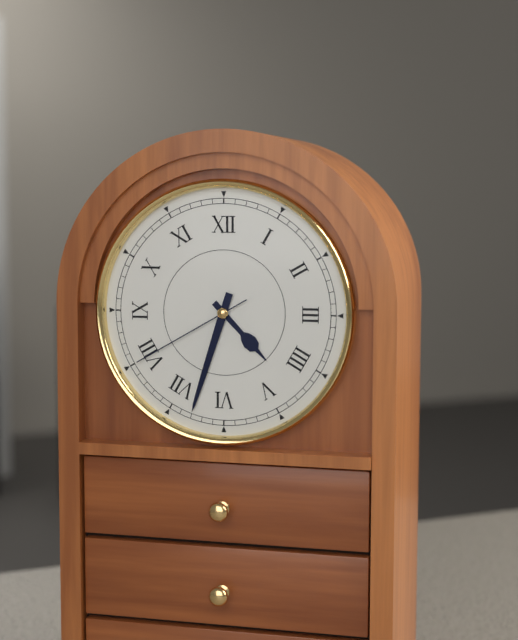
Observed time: 4:33:40
